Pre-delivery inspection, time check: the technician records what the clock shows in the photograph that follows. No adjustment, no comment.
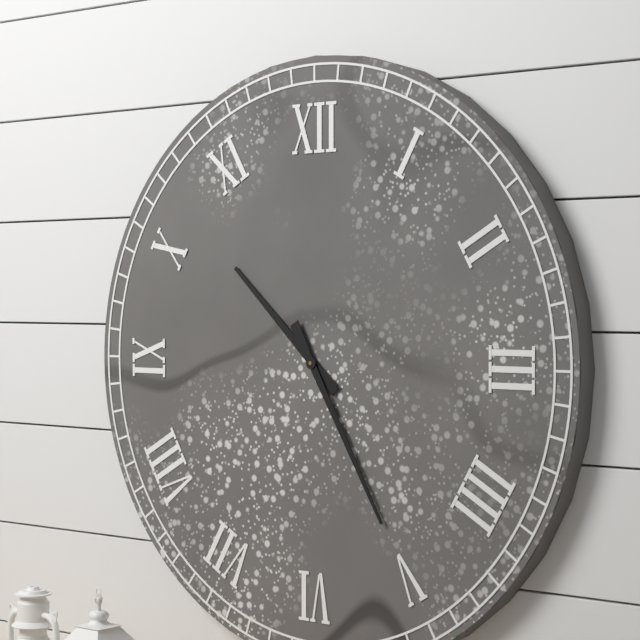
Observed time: 10:25
